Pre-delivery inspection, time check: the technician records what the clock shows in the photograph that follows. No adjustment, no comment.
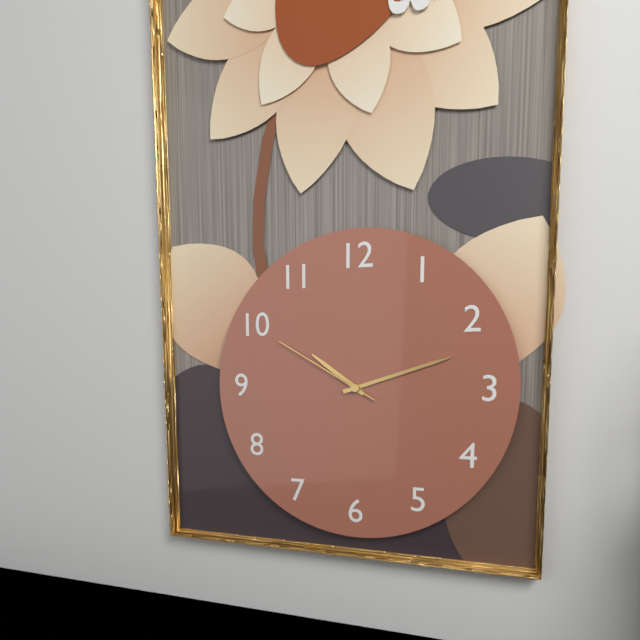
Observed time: 10:12:50
